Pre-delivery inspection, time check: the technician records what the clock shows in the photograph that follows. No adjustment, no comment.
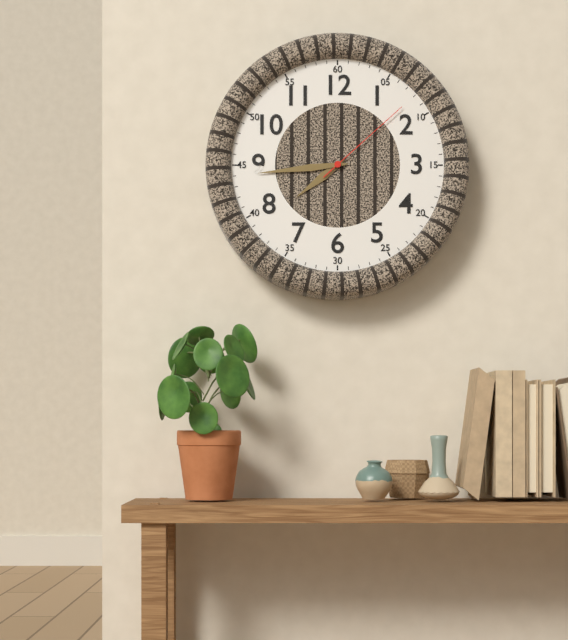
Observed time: 7:44:08
